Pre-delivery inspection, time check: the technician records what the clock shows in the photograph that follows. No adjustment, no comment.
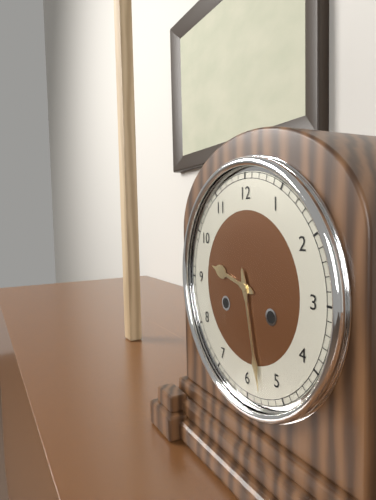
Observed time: 9:28
